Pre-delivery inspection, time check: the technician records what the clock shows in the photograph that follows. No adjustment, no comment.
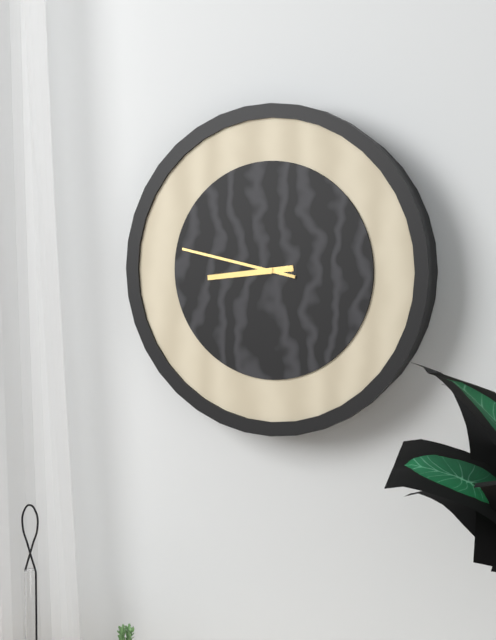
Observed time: 8:47
